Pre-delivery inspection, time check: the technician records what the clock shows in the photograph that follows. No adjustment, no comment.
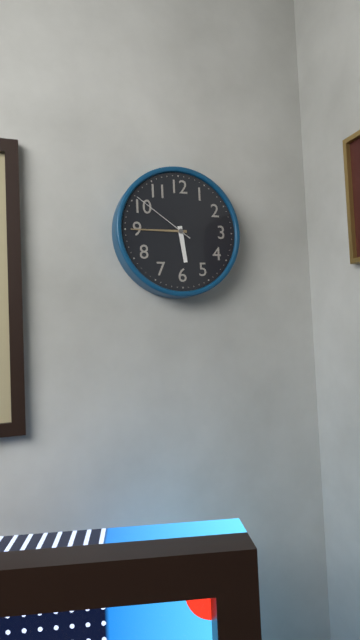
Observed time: 5:45:51
